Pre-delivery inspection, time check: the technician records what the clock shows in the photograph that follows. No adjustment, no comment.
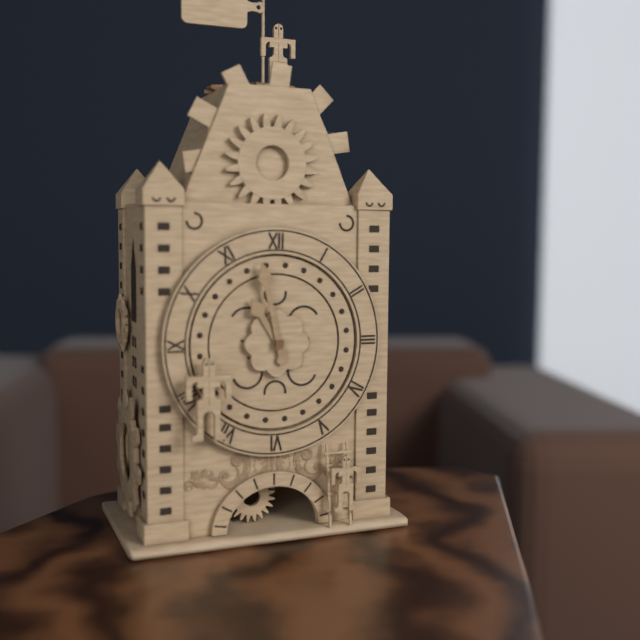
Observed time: 10:58
